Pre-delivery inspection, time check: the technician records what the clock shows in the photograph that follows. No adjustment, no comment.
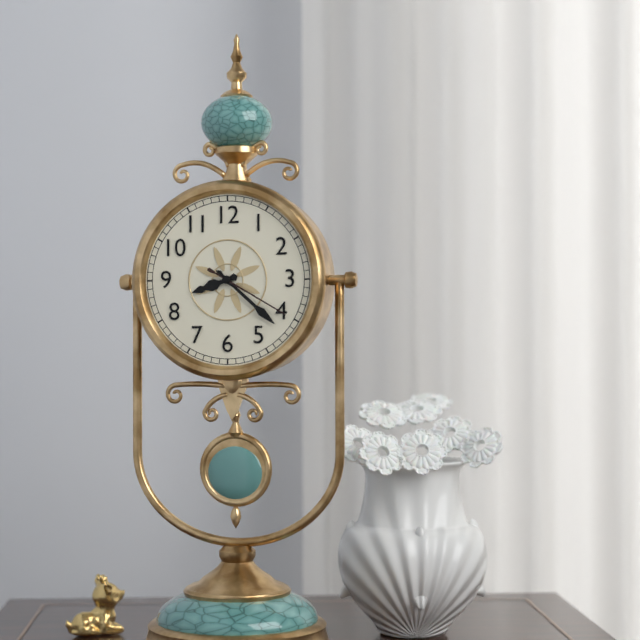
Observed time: 8:22:20
